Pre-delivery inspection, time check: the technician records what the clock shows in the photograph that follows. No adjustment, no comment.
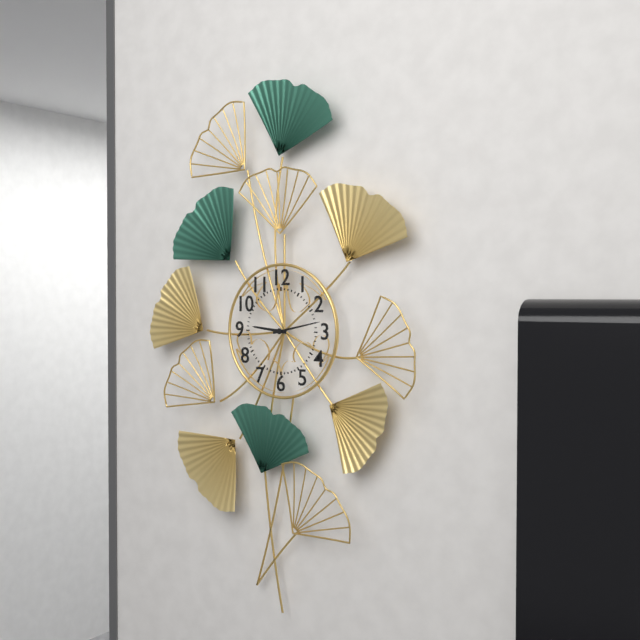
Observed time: 9:13
